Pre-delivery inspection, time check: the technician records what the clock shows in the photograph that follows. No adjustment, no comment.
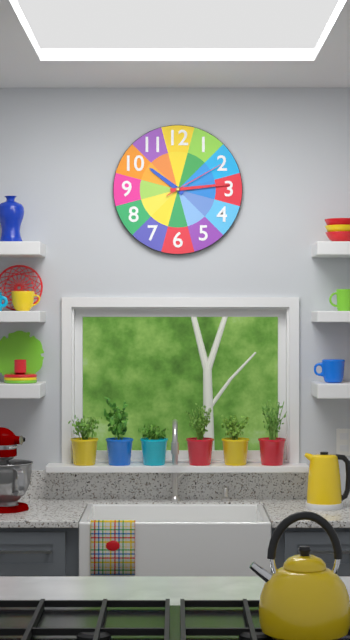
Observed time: 10:14:10
